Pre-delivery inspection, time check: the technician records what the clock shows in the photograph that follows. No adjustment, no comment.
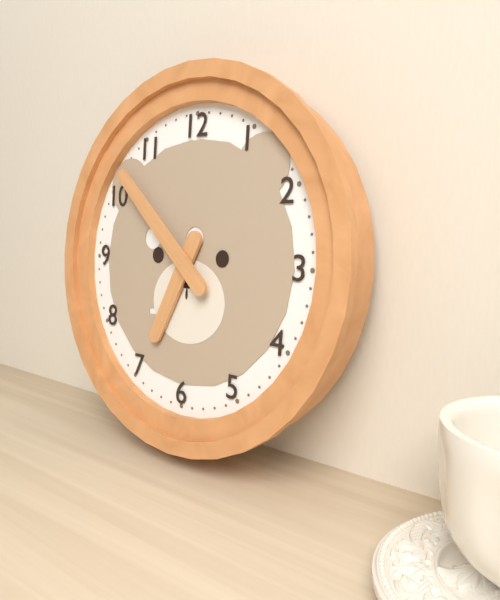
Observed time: 6:52
